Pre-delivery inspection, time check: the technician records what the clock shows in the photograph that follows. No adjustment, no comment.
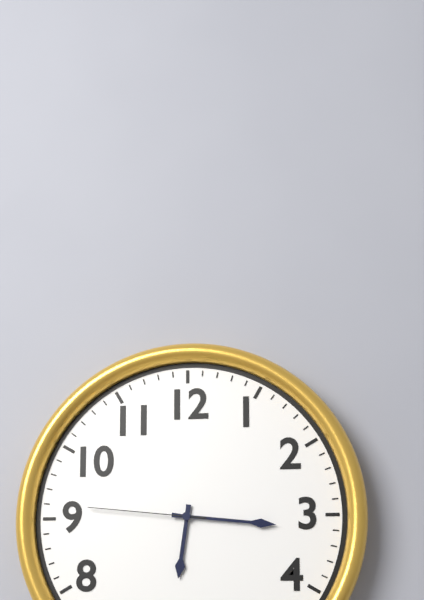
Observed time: 6:16:46
